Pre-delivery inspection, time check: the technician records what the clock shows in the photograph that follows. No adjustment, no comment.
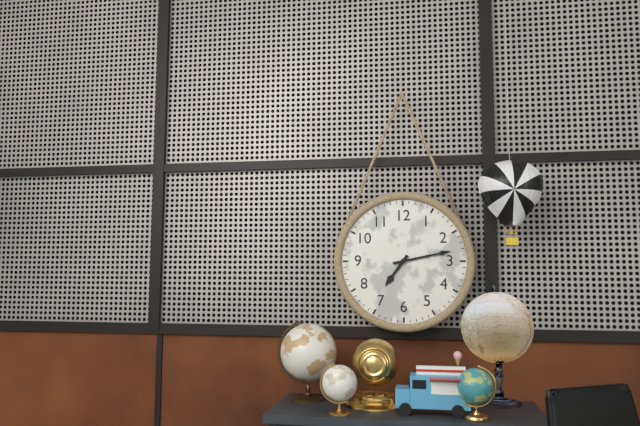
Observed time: 7:13
